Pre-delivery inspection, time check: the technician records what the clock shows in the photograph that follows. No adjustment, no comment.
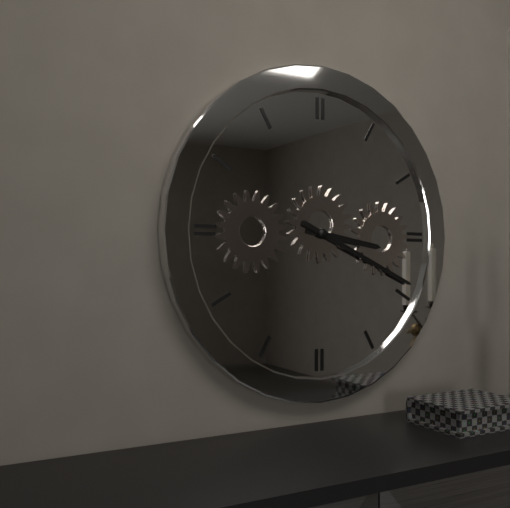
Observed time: 3:19
